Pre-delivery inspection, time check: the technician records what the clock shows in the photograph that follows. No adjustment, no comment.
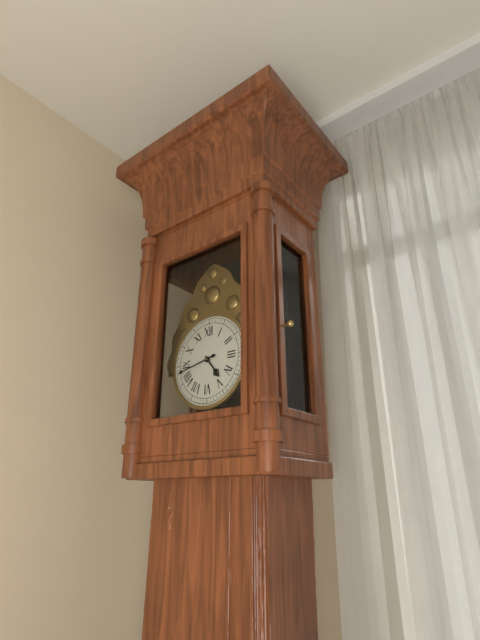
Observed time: 4:43
